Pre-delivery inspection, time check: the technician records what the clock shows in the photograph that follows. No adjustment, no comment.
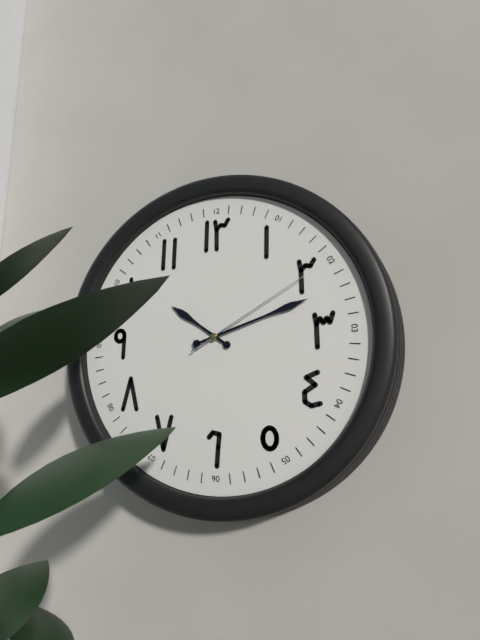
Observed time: 10:12:10
